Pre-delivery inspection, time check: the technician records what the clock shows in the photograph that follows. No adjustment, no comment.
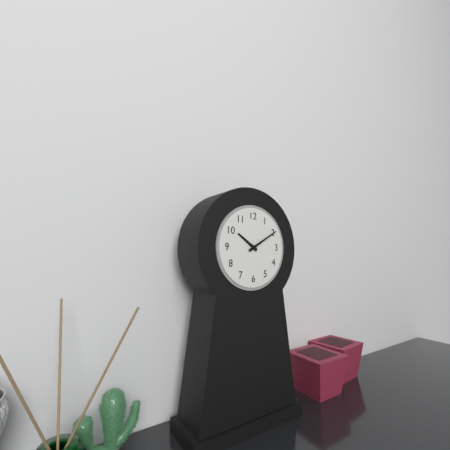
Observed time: 10:10
